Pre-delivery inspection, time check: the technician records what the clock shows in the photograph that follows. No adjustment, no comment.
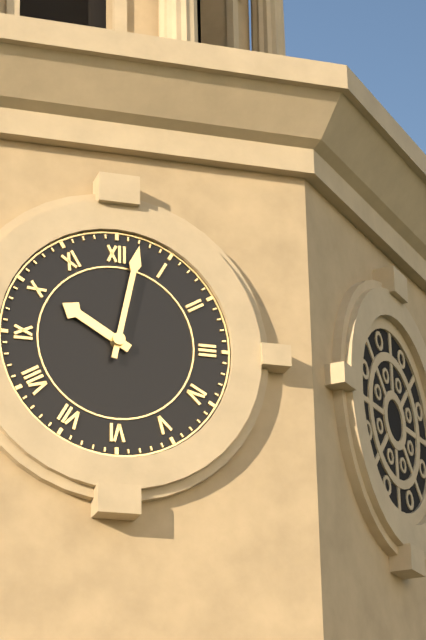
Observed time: 10:02
